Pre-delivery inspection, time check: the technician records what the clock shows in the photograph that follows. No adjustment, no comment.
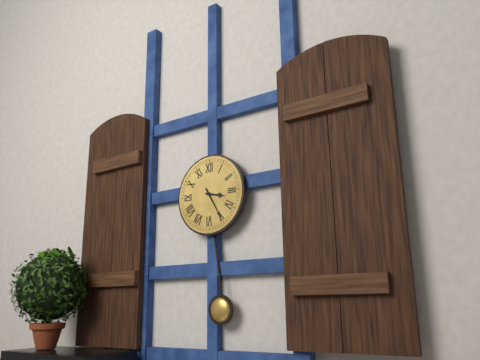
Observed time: 3:25
